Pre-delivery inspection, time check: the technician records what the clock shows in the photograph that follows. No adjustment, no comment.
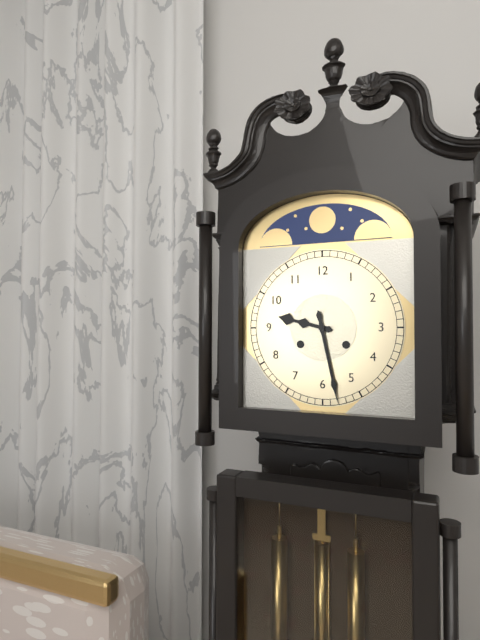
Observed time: 9:28
